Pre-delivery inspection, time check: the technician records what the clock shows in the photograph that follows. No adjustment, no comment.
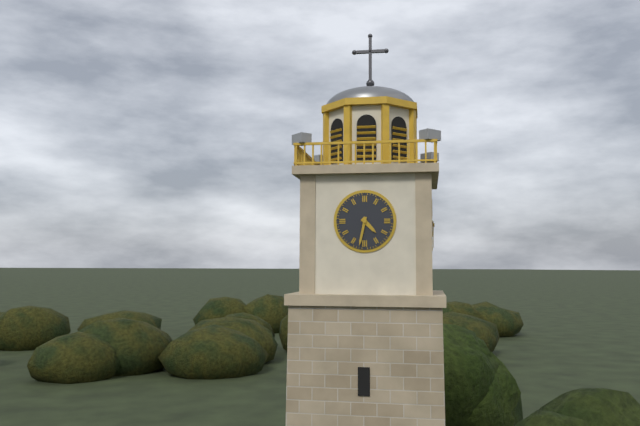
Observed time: 4:32
